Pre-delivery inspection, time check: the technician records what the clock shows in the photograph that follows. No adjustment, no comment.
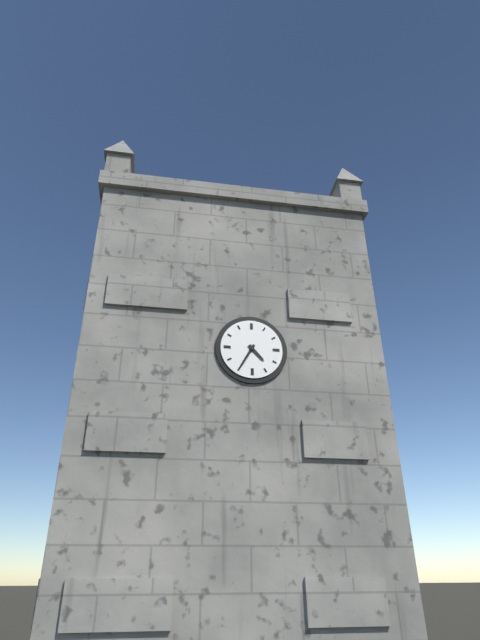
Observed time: 4:35
